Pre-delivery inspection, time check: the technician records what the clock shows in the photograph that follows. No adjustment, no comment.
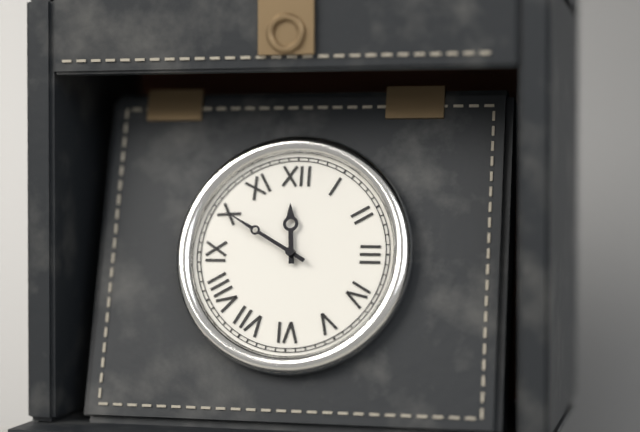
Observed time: 11:50
